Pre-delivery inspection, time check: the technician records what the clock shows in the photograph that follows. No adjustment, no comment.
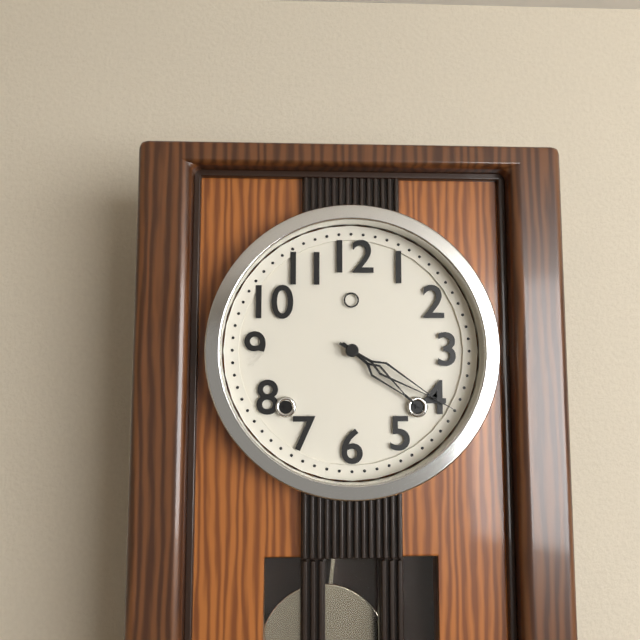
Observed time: 4:20
